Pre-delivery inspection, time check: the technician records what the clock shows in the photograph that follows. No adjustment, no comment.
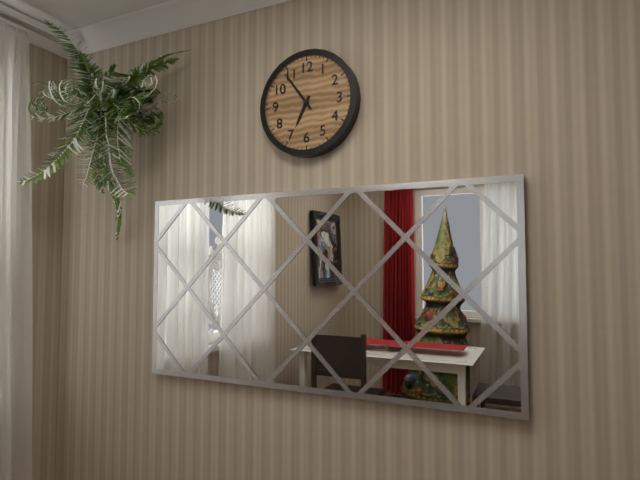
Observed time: 6:54
